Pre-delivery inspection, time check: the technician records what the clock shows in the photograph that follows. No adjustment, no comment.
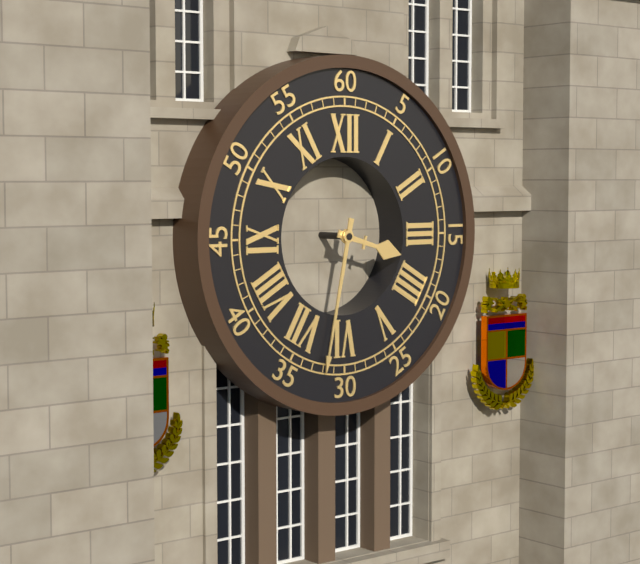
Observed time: 3:32
